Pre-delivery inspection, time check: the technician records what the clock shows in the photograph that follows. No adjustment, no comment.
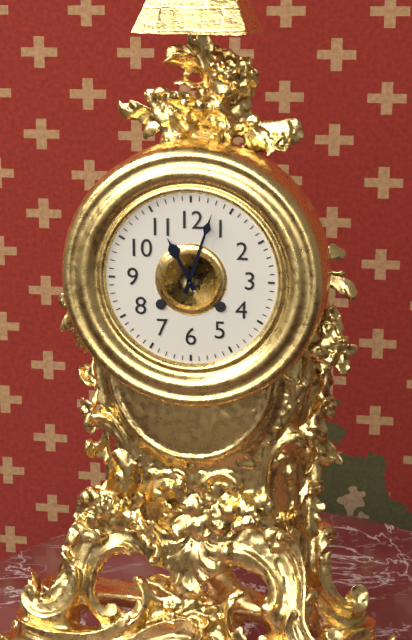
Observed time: 11:03
